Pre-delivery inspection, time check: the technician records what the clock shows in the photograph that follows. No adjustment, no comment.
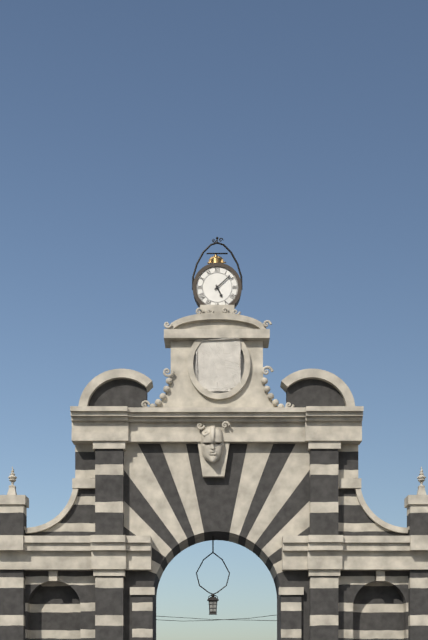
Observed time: 5:08
